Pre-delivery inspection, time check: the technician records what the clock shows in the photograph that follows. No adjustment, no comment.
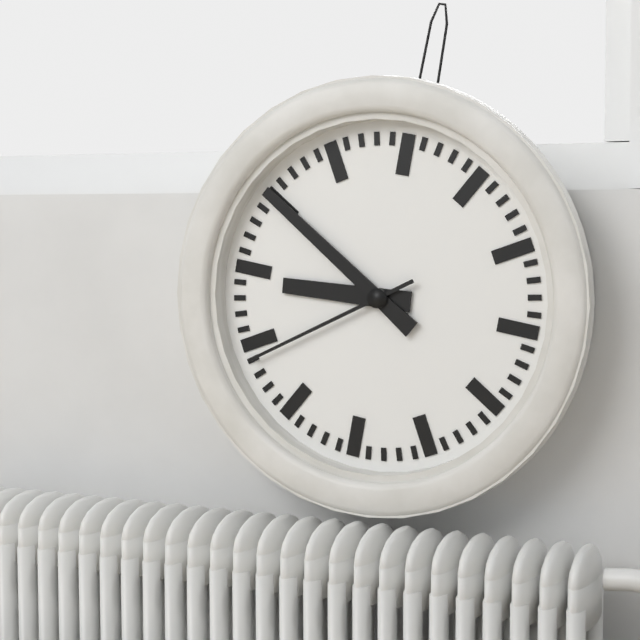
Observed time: 8:50:39
